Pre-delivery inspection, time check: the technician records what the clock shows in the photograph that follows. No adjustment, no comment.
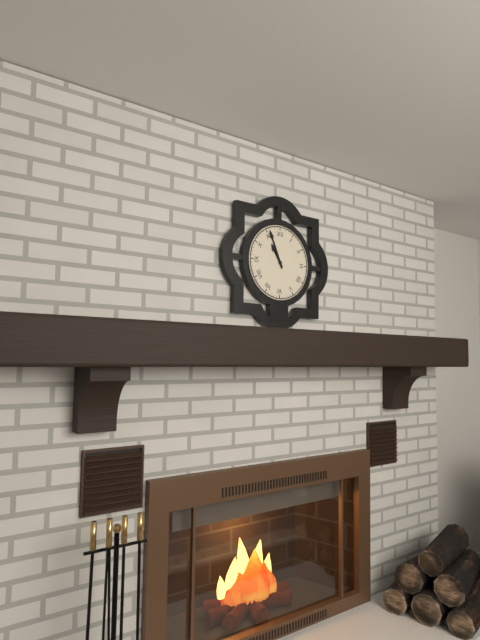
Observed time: 10:56
